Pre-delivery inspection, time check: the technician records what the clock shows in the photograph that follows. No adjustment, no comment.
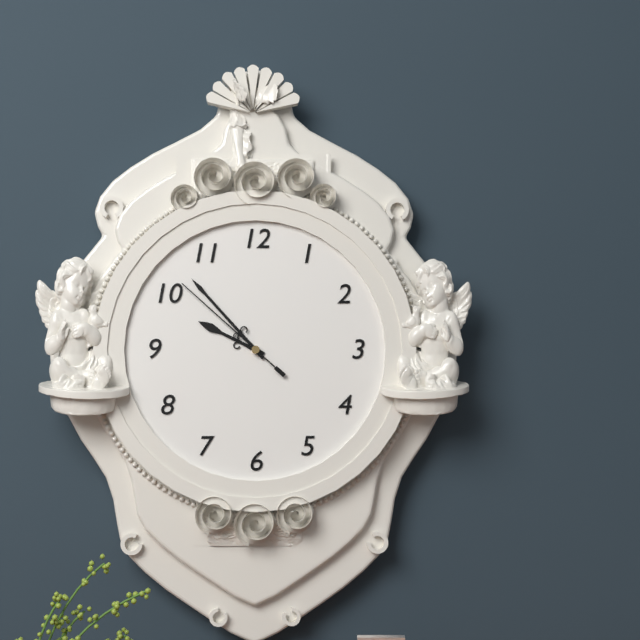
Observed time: 9:53:52
